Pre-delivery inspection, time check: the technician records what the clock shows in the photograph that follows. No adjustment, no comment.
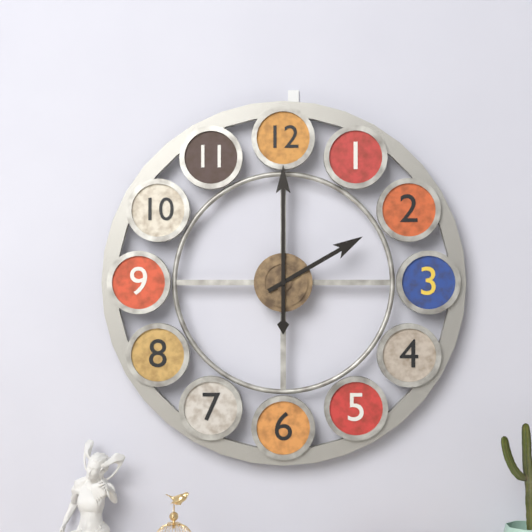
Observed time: 2:00
